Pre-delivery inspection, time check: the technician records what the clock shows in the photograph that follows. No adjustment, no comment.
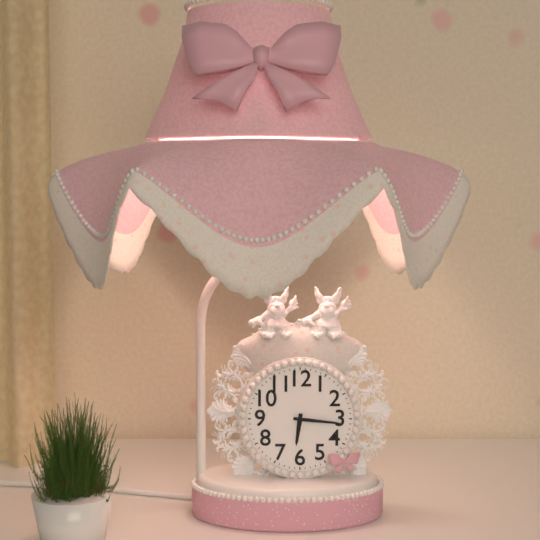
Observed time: 6:16
